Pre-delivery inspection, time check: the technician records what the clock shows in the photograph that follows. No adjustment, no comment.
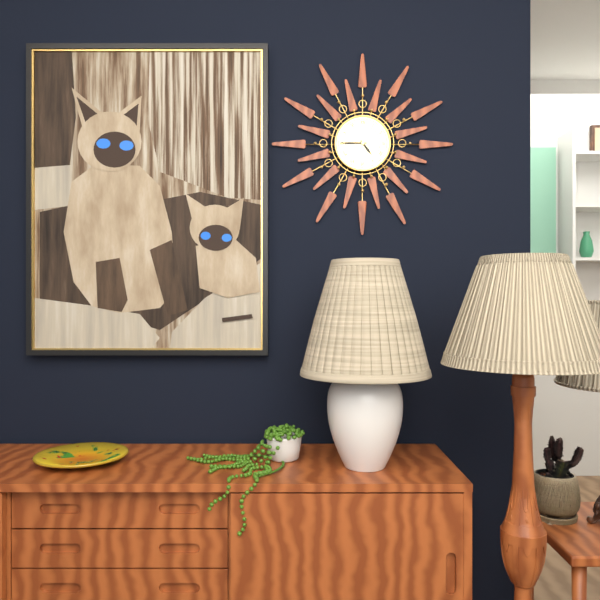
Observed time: 4:45
